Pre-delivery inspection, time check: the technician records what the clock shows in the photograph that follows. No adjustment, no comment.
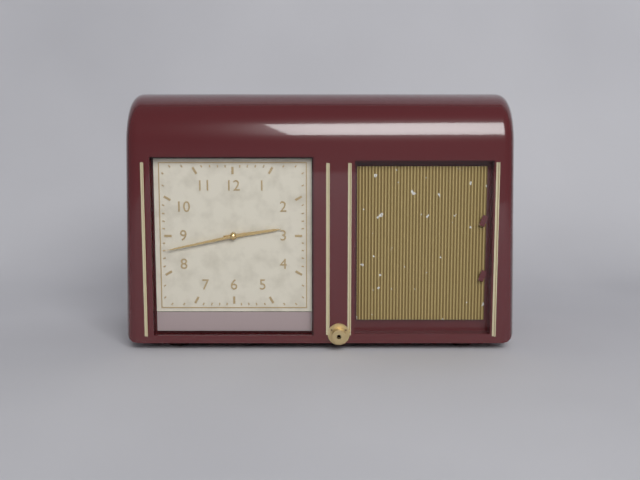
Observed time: 2:43
